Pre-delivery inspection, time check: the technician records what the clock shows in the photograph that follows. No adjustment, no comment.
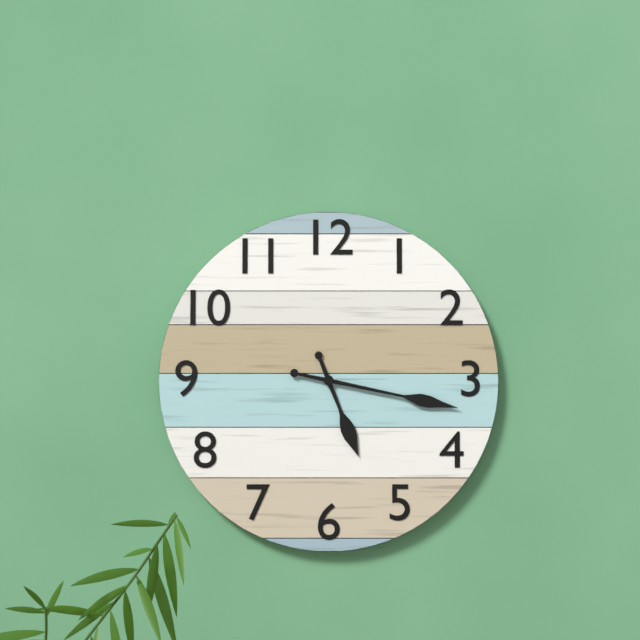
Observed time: 5:17
